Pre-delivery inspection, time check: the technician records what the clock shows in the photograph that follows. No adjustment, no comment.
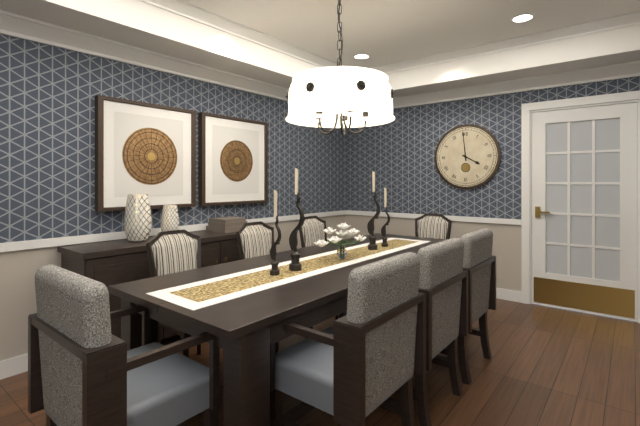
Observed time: 3:59
